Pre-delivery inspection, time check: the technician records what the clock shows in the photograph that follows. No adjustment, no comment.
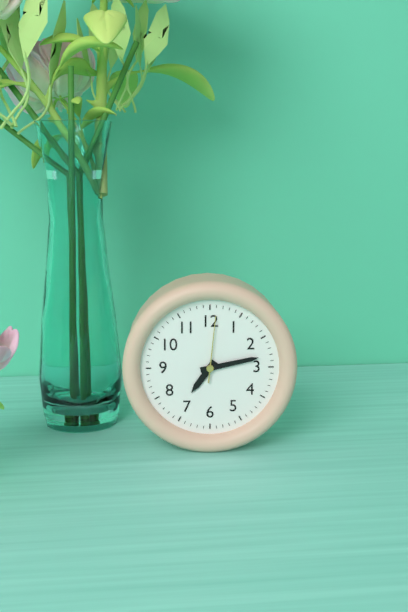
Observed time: 7:13:01
